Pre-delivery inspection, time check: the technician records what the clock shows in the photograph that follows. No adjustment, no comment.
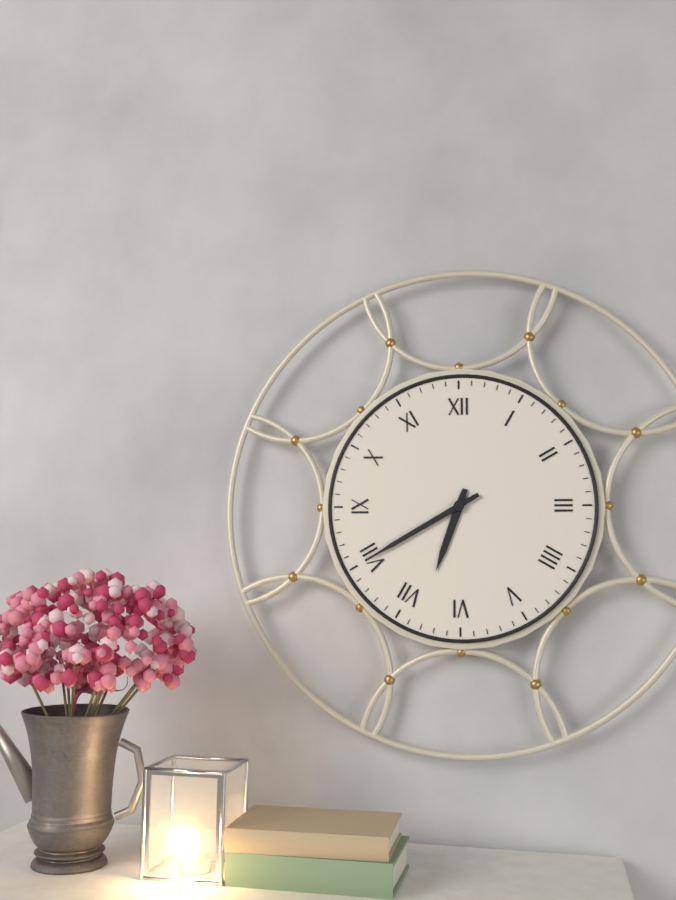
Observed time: 6:40
